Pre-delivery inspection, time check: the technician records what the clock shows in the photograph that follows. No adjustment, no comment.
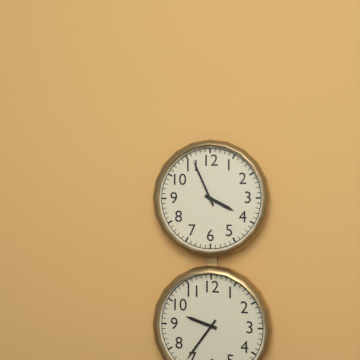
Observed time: 3:56
